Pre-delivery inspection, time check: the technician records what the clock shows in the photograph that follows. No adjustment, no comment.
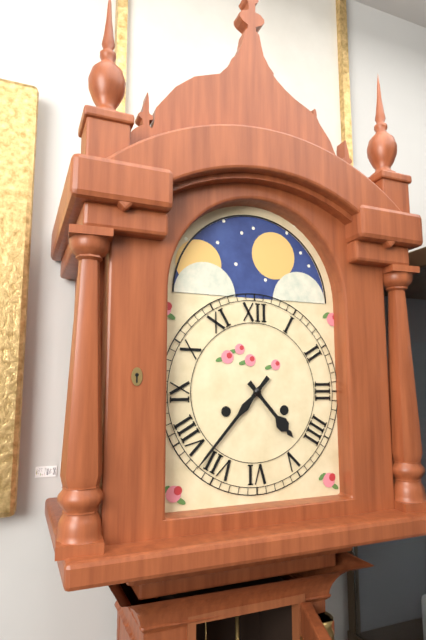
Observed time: 4:37
